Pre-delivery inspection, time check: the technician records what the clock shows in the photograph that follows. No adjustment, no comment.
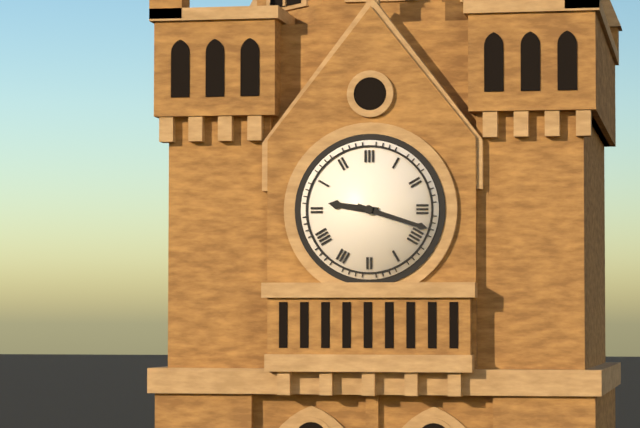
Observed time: 9:18
